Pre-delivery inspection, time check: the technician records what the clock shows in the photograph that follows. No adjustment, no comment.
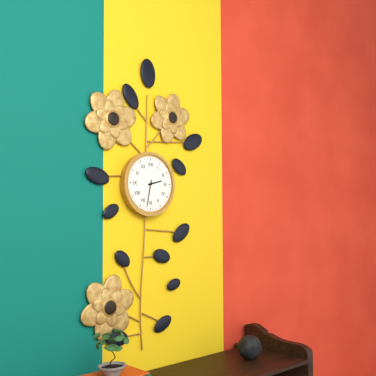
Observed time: 2:32
